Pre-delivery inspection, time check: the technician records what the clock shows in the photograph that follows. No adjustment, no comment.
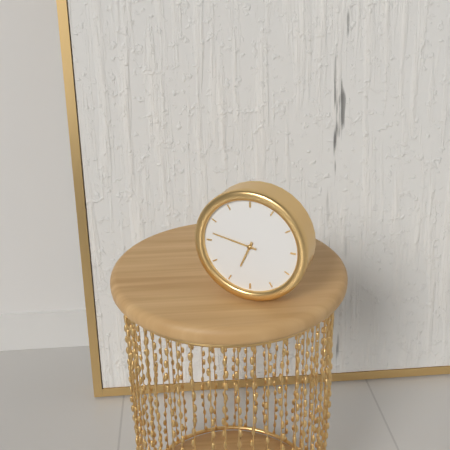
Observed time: 6:47
